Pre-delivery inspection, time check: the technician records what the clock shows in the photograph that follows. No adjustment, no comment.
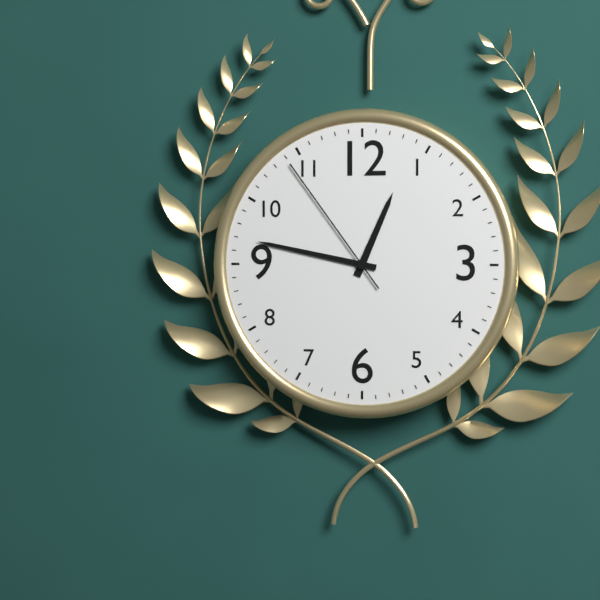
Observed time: 12:47:54
